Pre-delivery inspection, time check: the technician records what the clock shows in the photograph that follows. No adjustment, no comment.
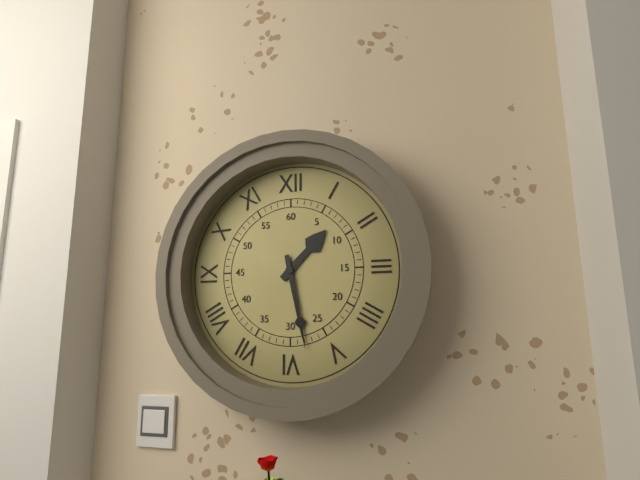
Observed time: 1:28
